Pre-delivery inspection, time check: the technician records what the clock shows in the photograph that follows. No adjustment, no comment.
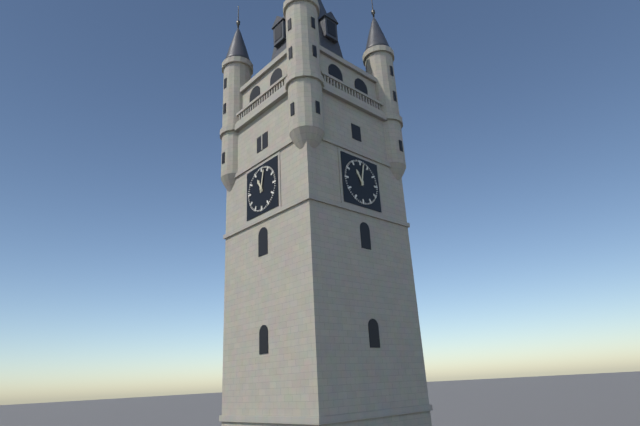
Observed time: 11:02
